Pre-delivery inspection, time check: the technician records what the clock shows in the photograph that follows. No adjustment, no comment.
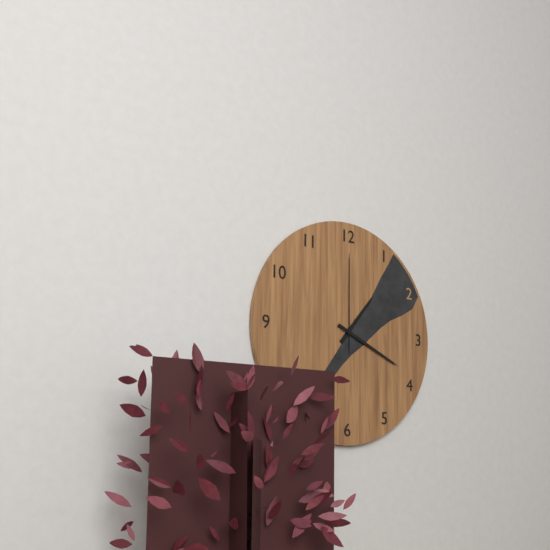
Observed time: 1:19:00
